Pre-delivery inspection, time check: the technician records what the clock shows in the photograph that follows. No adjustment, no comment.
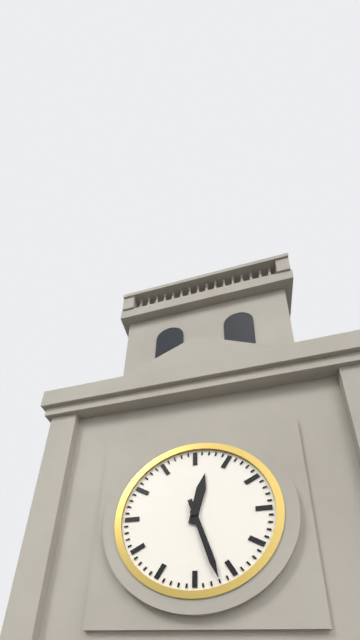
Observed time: 12:27
